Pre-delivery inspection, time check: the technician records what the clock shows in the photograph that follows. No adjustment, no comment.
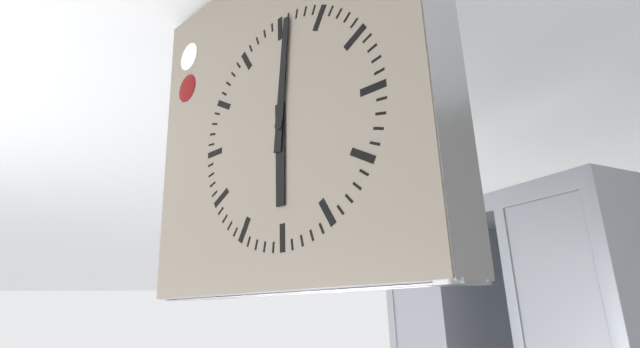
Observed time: 6:01
